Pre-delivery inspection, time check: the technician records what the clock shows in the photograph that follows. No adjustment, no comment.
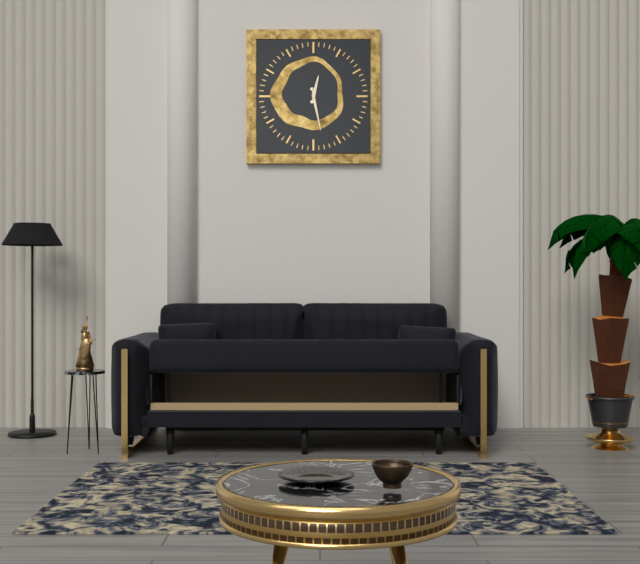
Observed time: 12:28
